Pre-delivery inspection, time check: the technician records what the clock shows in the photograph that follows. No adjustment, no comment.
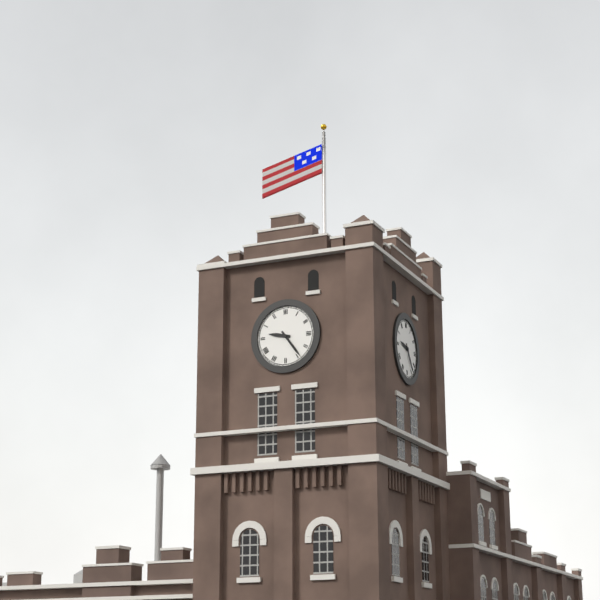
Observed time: 9:24
